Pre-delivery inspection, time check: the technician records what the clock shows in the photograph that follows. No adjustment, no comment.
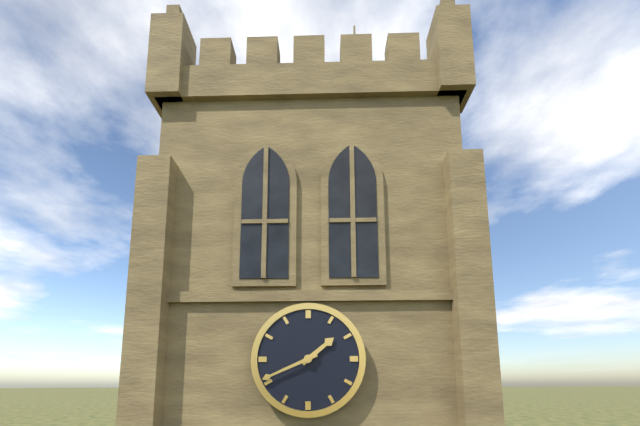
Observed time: 1:41
